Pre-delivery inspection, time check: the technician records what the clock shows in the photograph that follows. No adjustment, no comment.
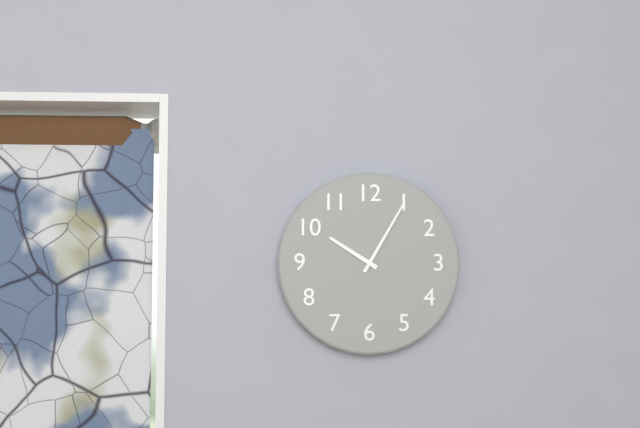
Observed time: 10:05
